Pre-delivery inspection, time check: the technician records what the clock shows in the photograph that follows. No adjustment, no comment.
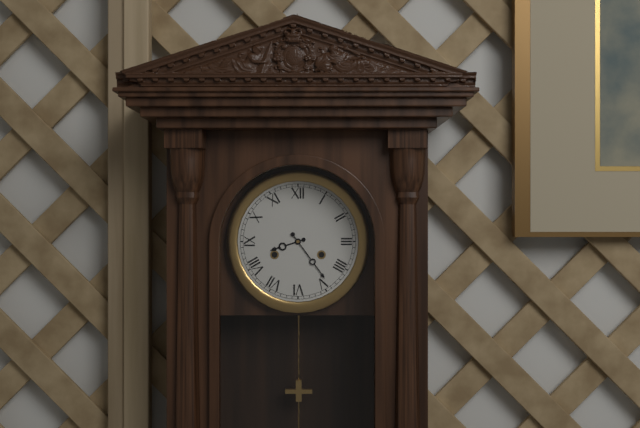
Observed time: 8:24
